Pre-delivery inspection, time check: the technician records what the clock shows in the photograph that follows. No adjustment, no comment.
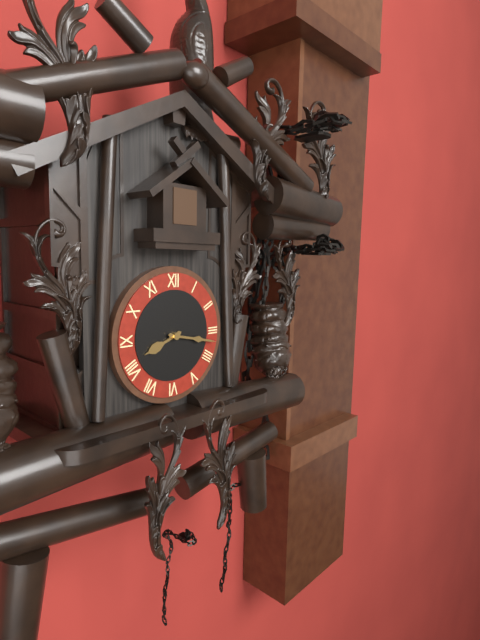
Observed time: 8:17
